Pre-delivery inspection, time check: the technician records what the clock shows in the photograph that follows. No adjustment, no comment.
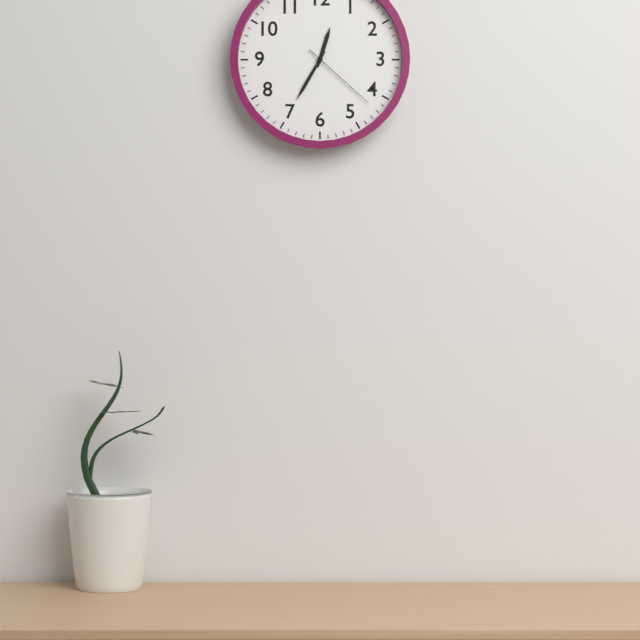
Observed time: 12:35:22
